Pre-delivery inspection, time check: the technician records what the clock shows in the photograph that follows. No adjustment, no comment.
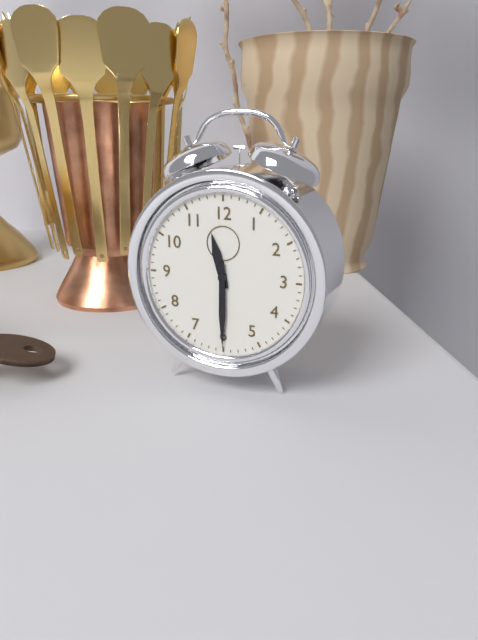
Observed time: 11:30
